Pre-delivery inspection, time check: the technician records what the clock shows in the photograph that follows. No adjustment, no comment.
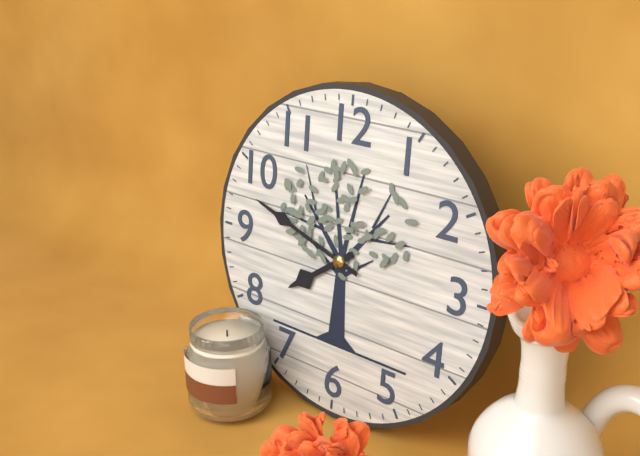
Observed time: 7:48
